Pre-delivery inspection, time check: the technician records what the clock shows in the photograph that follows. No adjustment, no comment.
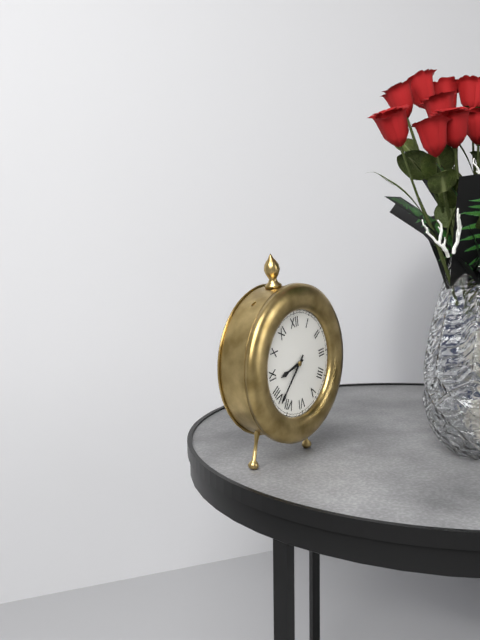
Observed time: 8:38
